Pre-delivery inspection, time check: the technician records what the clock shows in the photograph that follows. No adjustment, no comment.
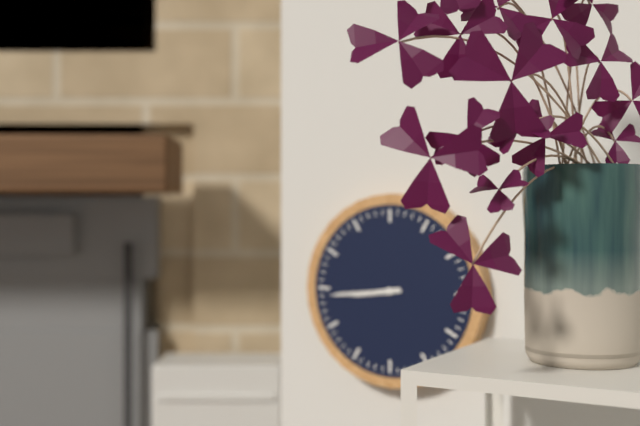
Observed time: 8:44
